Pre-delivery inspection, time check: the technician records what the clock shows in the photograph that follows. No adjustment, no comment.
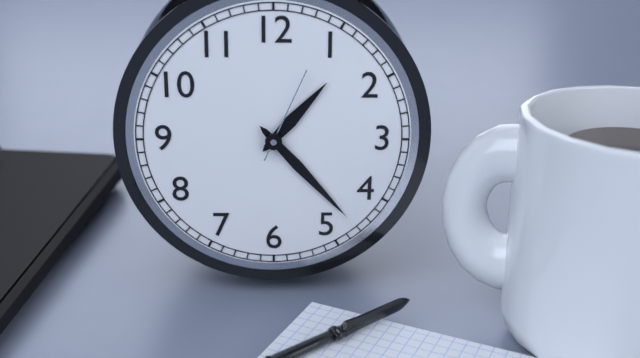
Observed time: 1:23:04
